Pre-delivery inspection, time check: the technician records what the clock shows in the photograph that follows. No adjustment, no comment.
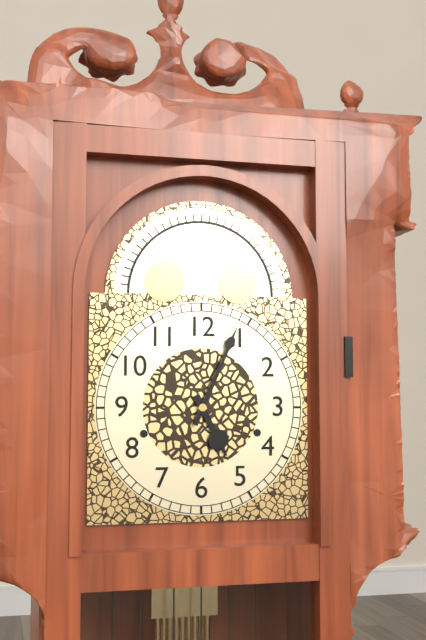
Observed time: 5:04
